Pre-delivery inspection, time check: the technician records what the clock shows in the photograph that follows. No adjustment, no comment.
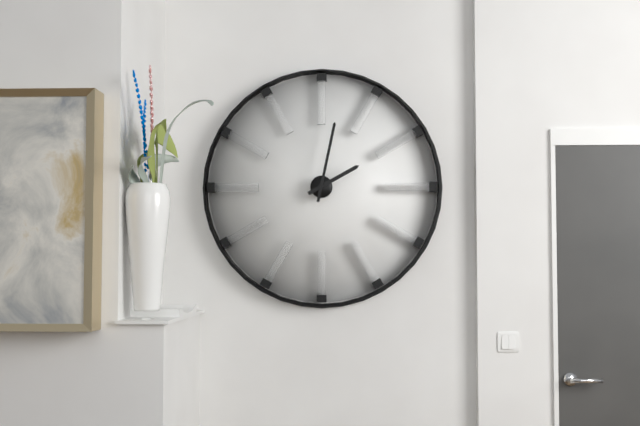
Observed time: 2:02
